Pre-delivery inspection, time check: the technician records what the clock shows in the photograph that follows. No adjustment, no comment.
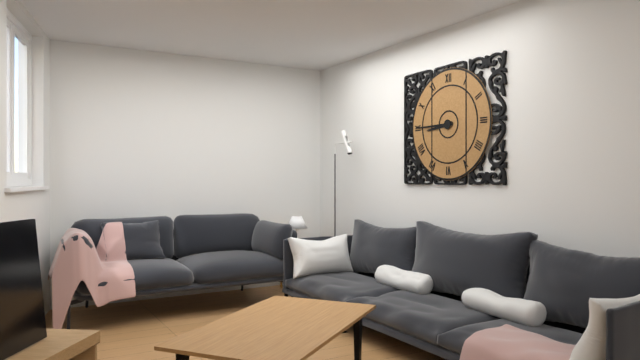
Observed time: 8:45
